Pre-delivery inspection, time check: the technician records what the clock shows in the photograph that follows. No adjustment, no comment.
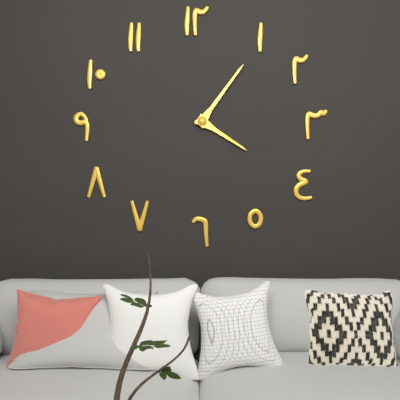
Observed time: 4:06
